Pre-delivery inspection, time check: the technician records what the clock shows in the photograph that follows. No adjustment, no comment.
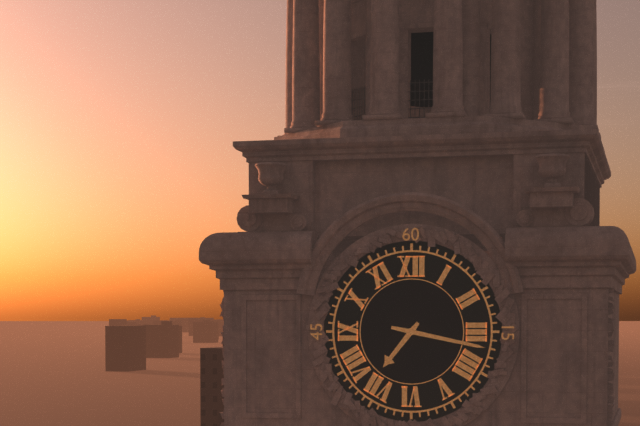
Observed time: 7:17
